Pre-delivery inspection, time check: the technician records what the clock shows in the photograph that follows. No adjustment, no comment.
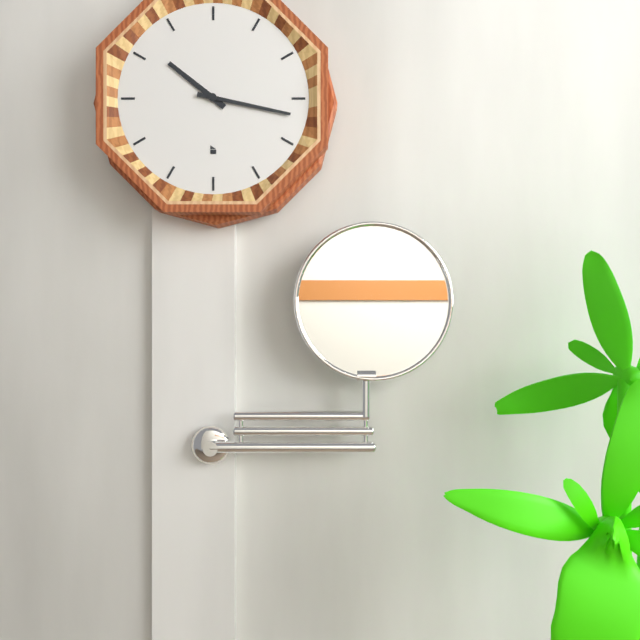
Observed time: 10:17
